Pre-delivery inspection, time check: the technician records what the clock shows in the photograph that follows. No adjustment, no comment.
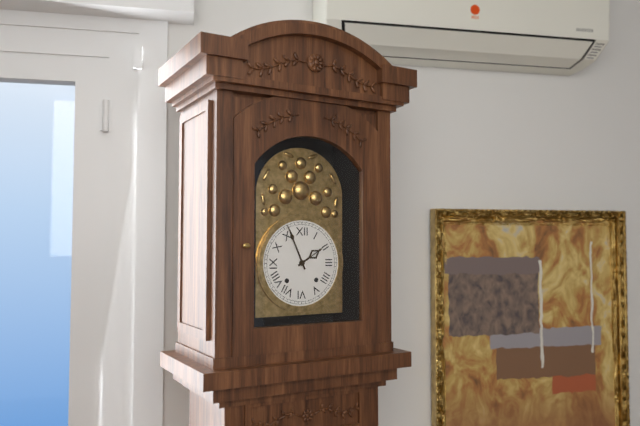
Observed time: 1:56
